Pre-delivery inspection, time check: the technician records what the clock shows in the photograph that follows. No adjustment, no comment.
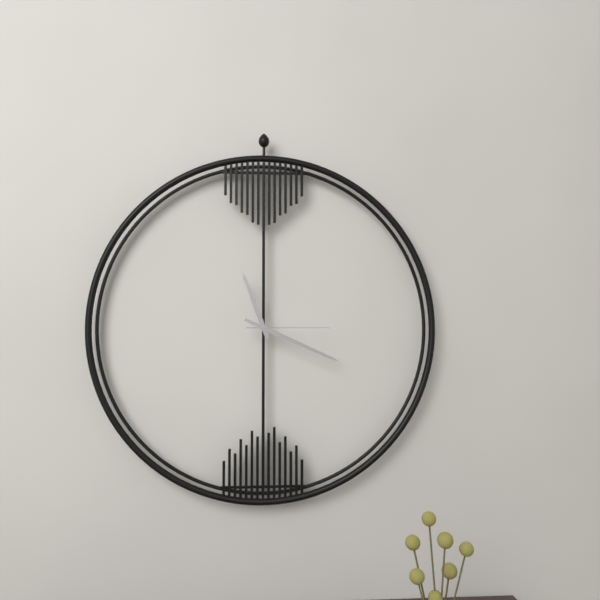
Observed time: 11:19:15
